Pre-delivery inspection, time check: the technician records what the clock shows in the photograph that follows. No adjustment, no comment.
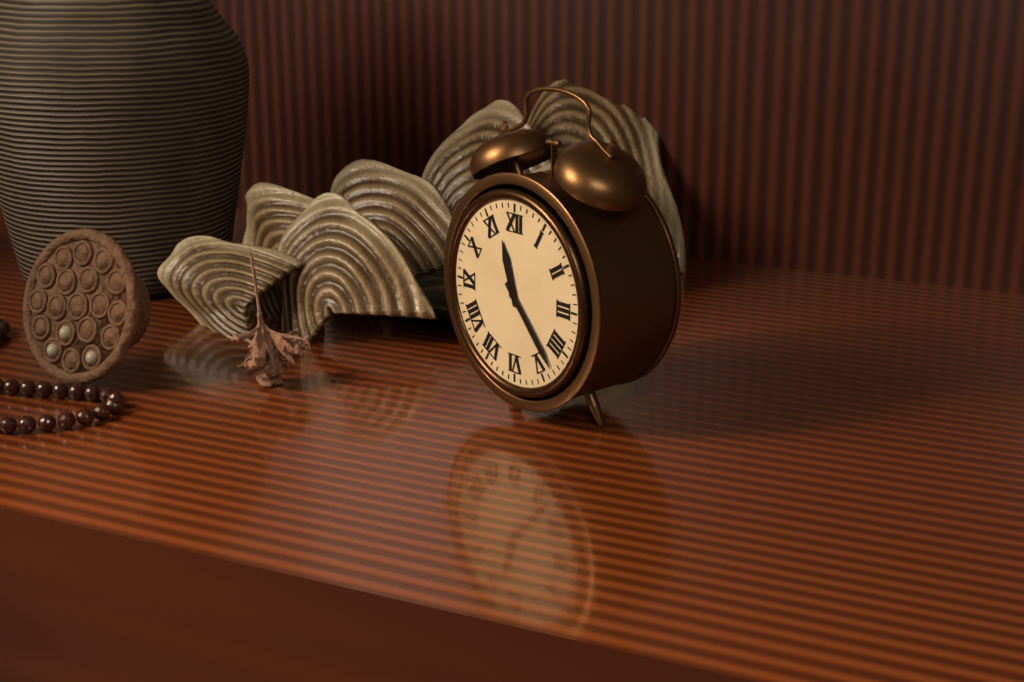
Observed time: 11:23
